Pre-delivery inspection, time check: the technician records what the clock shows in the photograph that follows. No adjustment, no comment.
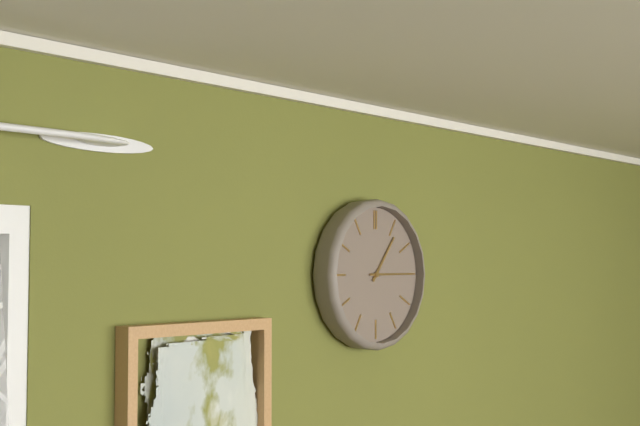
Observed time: 1:15
